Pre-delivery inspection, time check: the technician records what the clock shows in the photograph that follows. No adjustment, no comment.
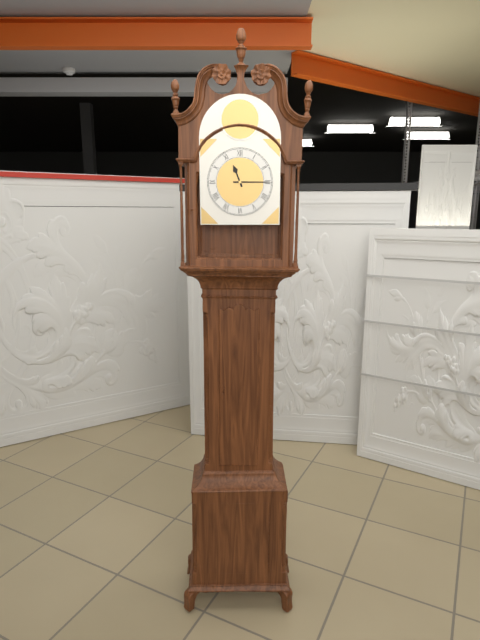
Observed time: 11:15
